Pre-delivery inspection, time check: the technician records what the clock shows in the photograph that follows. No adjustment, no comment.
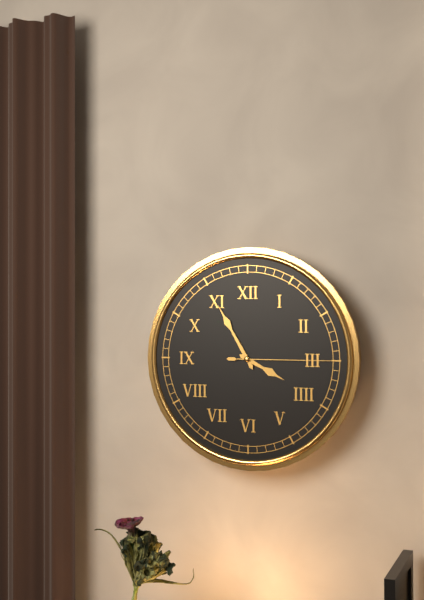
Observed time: 3:55:15
